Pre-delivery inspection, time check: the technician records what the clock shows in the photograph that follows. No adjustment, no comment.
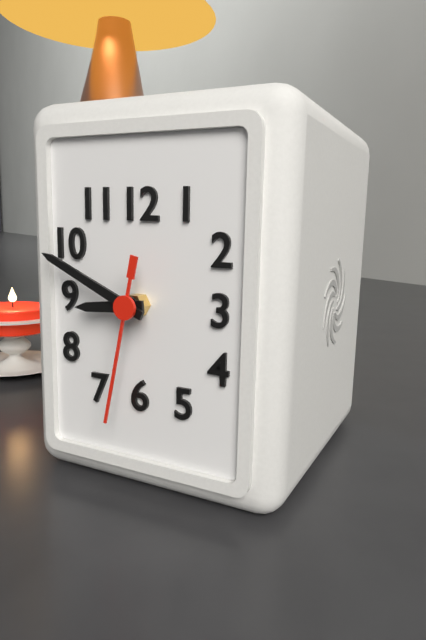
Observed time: 8:49:32
